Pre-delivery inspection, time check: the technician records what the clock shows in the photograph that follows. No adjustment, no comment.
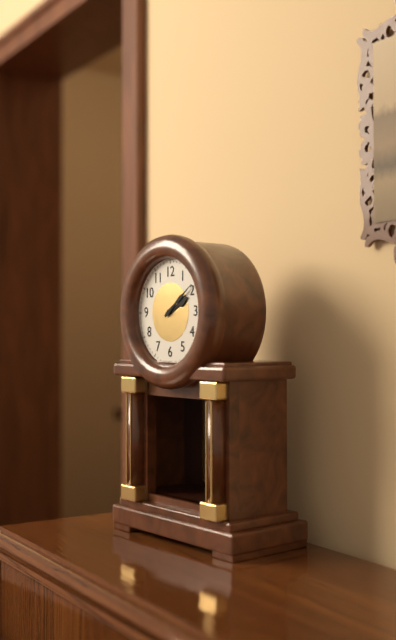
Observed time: 2:09
